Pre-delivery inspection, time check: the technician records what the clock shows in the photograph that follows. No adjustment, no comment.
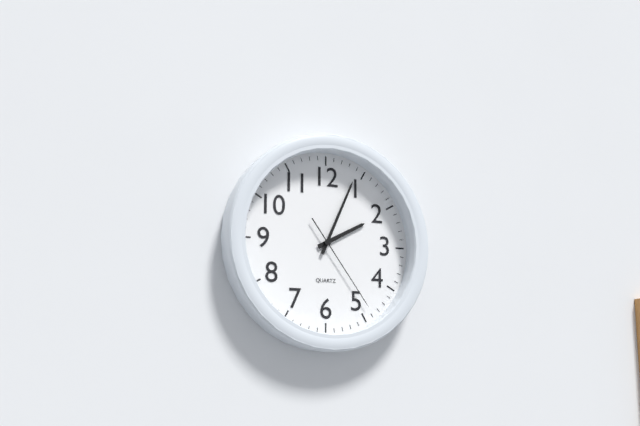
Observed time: 2:04:24
